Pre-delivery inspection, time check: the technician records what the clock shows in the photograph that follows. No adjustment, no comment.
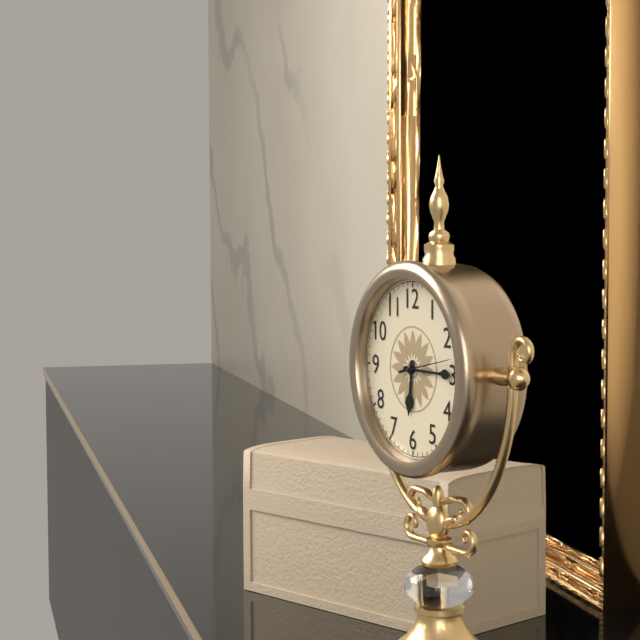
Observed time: 6:15:13
